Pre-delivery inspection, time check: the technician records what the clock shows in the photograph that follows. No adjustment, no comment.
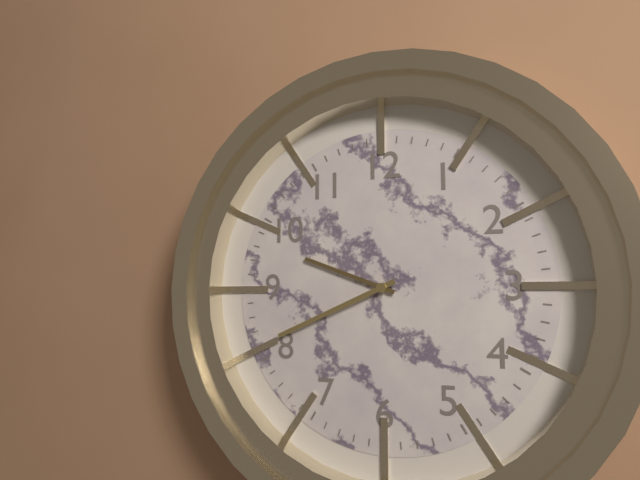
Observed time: 9:41
